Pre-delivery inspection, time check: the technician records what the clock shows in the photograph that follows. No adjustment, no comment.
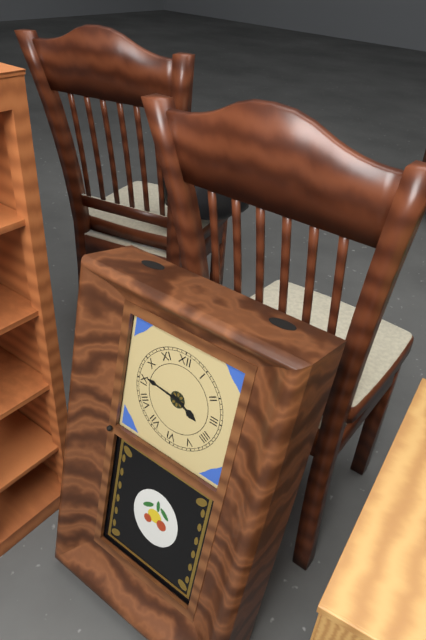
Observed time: 3:46
